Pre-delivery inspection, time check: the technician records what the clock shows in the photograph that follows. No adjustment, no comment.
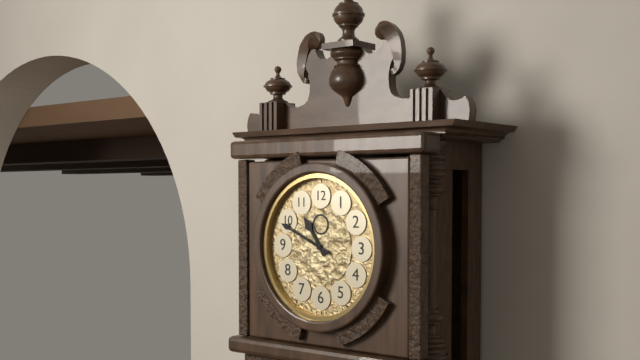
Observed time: 10:49
